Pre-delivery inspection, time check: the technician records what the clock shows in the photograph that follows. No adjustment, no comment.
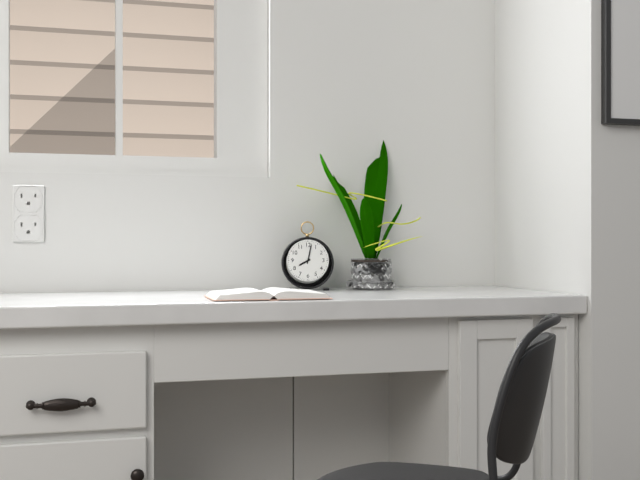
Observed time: 8:02
